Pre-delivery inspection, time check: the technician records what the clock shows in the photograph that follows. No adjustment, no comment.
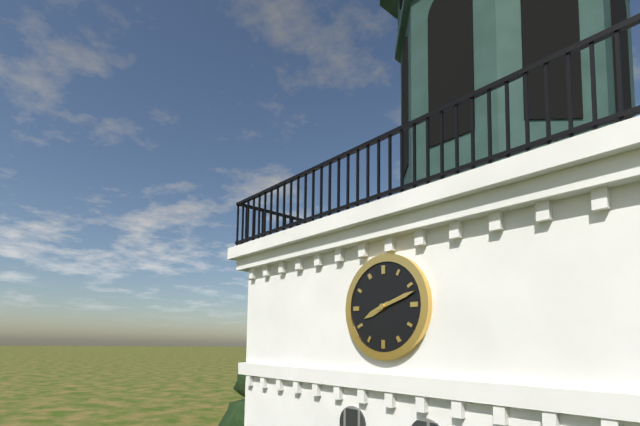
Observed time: 8:12
